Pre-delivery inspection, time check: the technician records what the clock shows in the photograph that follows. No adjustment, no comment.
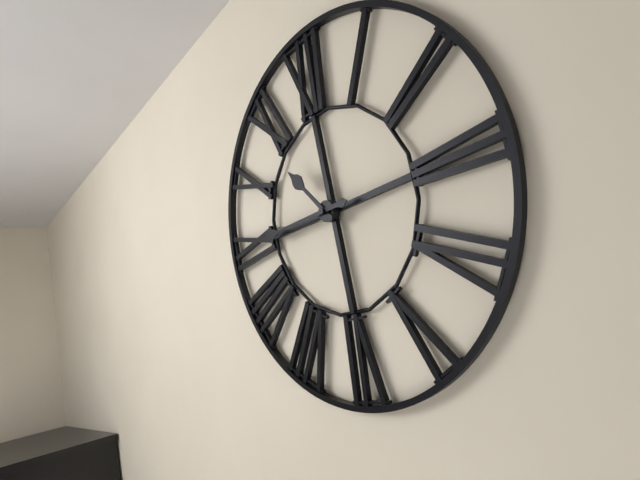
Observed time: 10:45
